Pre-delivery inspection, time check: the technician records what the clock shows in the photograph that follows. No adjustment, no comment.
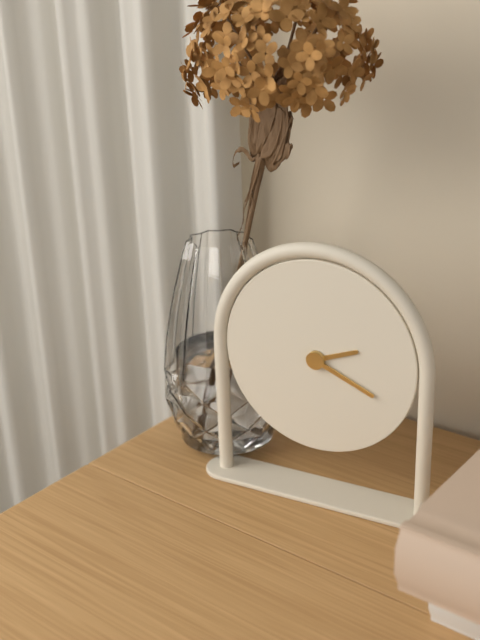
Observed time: 2:19
